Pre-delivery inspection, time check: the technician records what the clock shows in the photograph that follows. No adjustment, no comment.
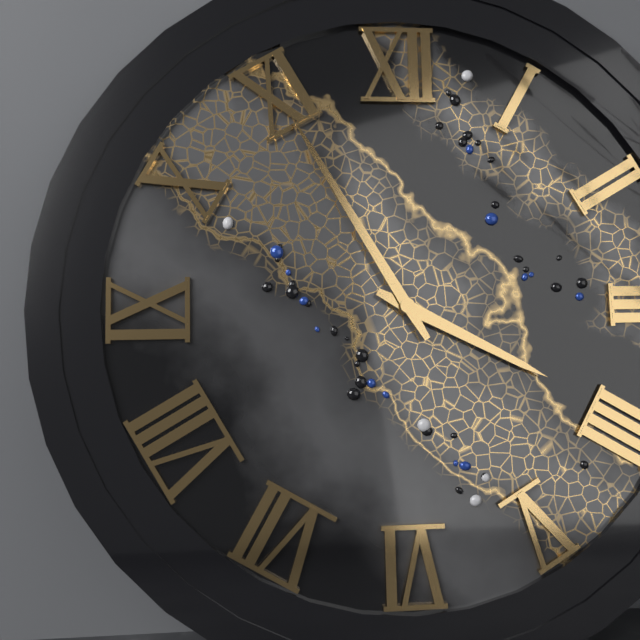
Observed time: 3:55
